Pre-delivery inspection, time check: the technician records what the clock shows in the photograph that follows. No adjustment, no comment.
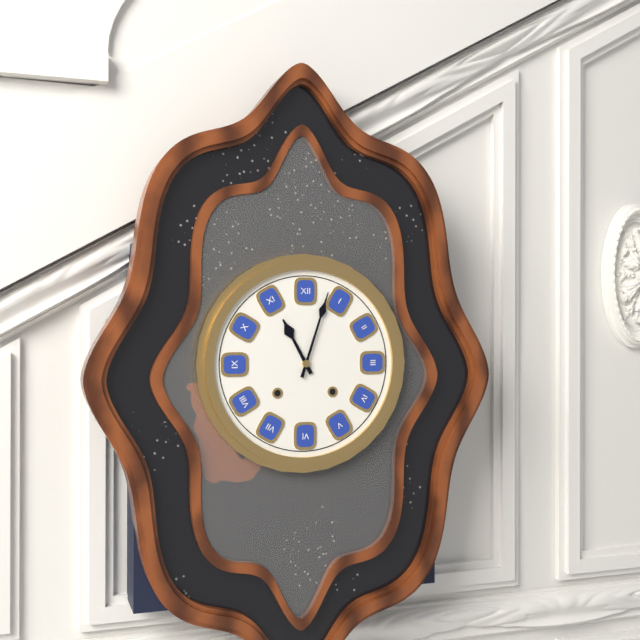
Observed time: 11:03
